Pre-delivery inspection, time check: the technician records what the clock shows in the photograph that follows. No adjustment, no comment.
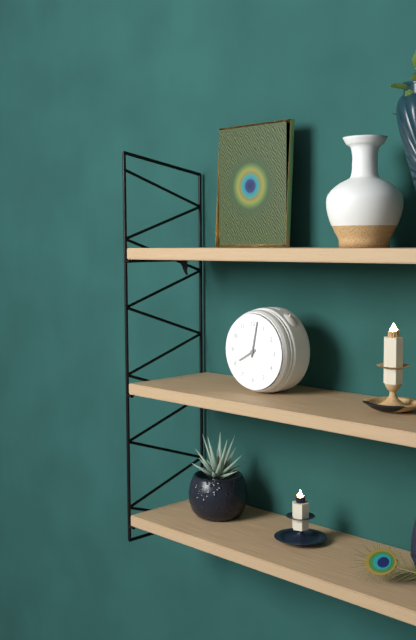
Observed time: 8:02
